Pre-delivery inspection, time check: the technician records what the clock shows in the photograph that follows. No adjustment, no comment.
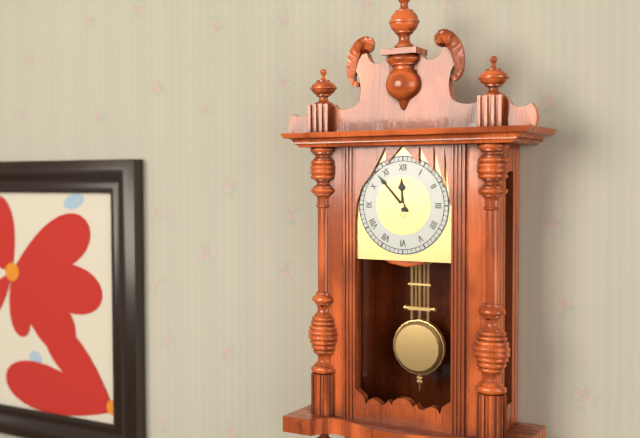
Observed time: 11:53
